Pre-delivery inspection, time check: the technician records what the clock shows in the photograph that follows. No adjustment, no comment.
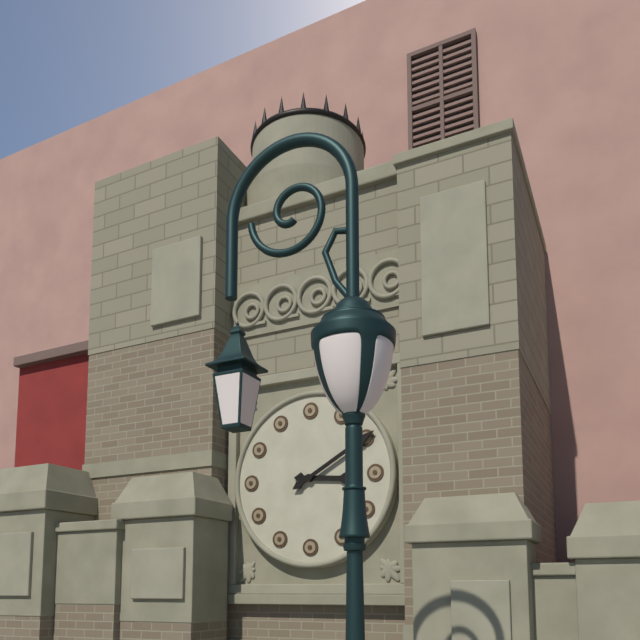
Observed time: 3:10
